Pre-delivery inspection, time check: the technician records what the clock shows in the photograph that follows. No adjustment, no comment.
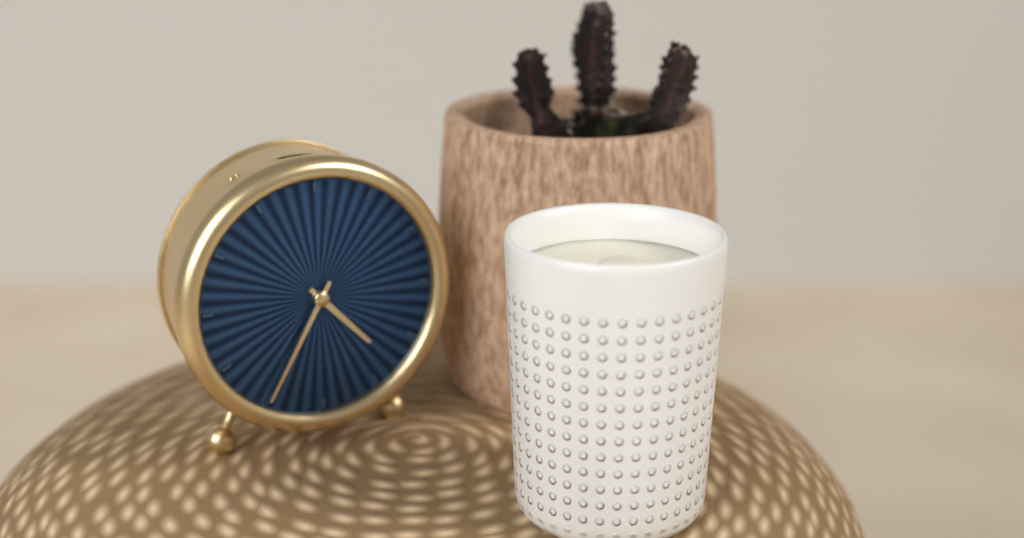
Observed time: 4:35
